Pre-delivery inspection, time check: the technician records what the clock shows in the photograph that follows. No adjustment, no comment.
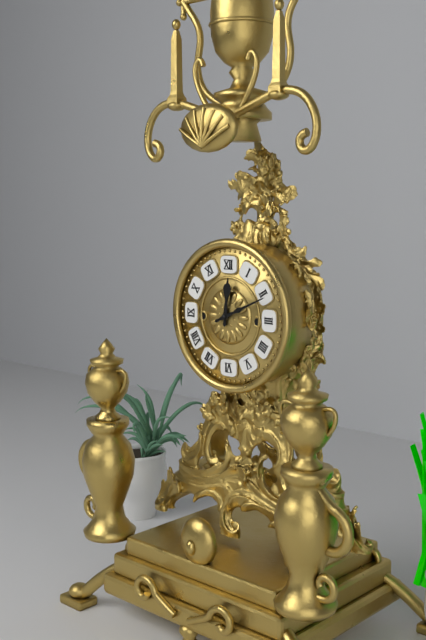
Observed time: 12:11
